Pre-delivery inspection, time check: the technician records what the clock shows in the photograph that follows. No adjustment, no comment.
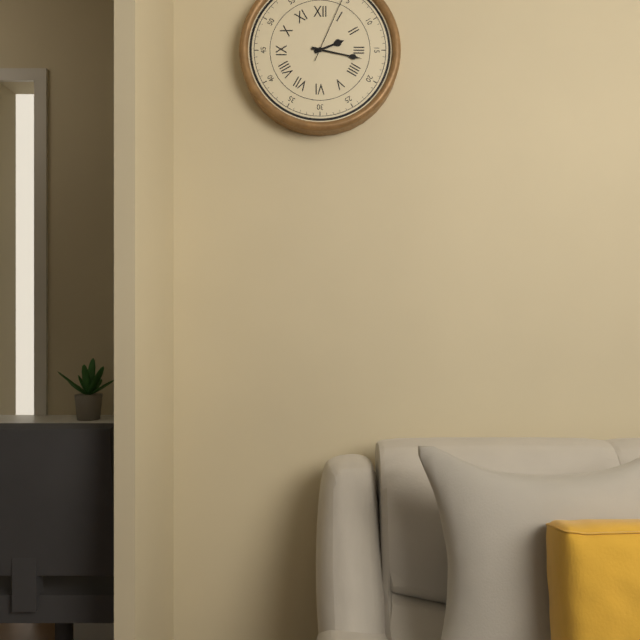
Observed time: 2:17
